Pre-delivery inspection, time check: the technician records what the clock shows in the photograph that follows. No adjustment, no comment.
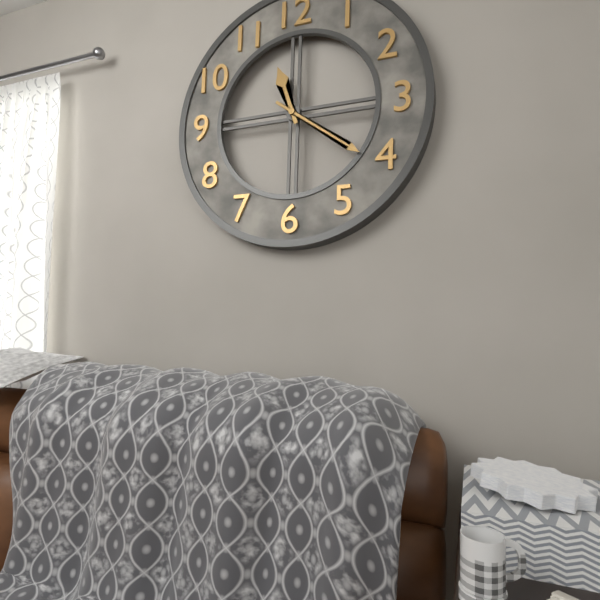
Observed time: 11:21
